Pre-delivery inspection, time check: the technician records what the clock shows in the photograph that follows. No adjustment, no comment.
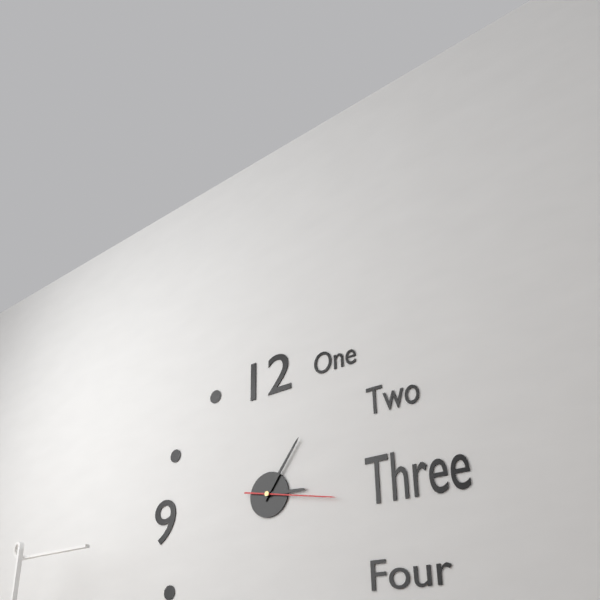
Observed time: 3:06:17
